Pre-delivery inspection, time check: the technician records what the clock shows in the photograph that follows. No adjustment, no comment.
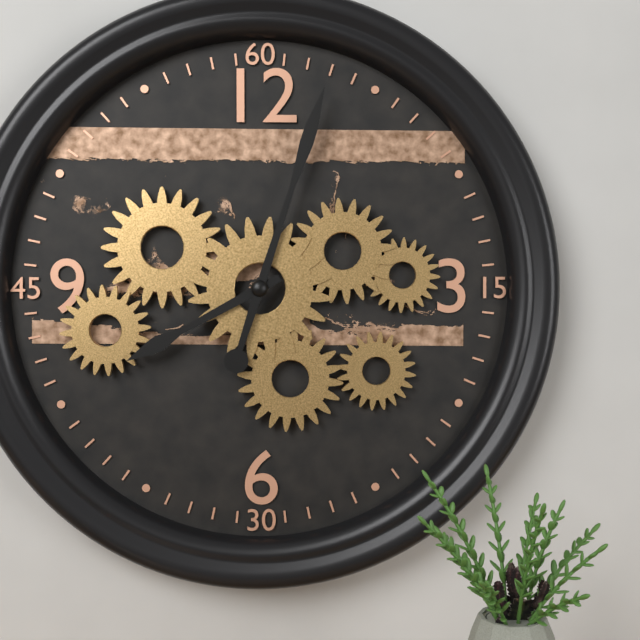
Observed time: 8:03
